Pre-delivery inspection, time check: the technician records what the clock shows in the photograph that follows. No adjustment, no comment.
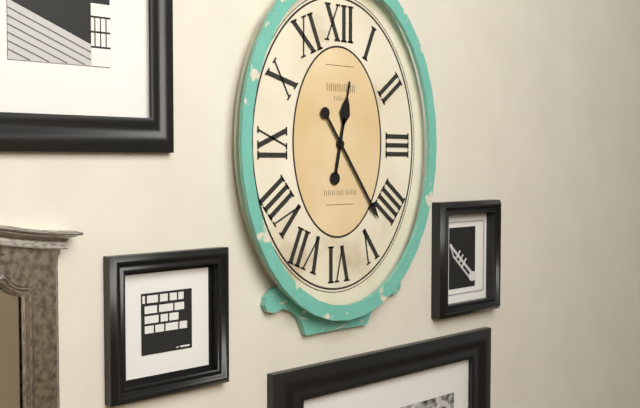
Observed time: 12:24
